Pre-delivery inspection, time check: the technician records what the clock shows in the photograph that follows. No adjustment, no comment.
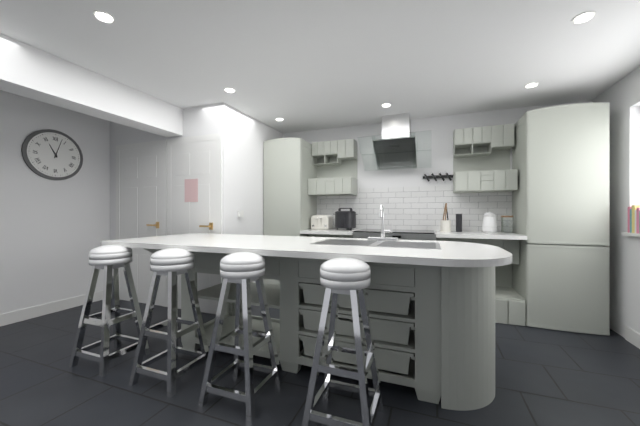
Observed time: 11:03
